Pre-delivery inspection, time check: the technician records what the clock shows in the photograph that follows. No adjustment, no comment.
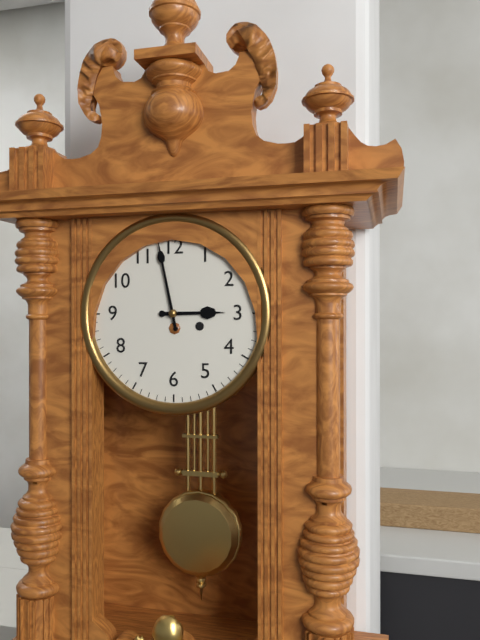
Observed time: 2:58
